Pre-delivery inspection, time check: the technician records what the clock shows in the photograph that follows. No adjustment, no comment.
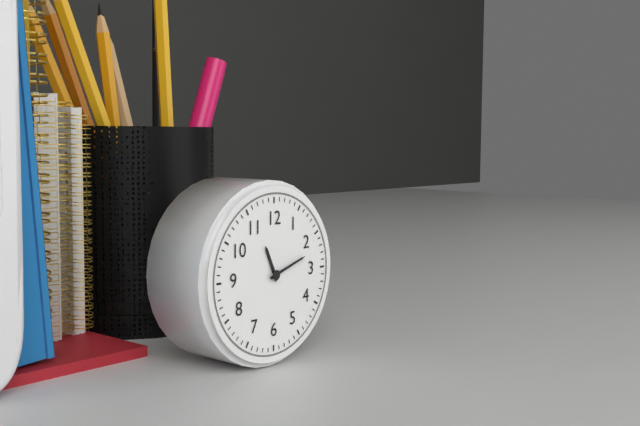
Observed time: 11:12
